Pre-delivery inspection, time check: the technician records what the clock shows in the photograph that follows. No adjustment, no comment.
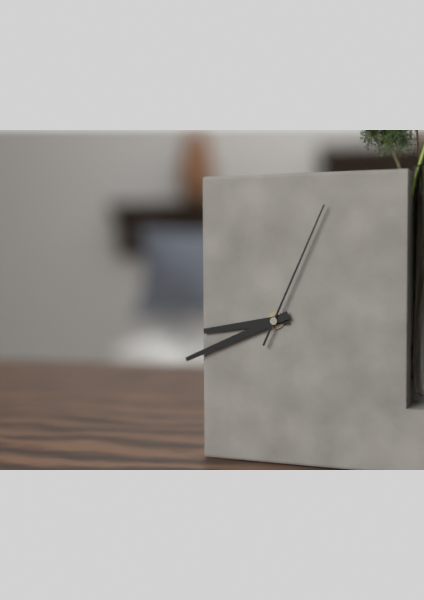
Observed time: 8:41:04
